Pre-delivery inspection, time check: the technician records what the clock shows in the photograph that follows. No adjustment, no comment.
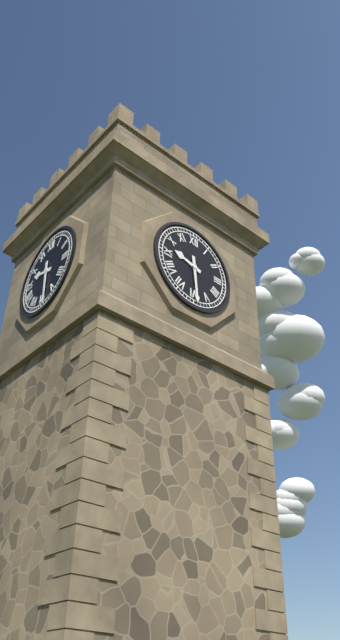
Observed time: 9:29
